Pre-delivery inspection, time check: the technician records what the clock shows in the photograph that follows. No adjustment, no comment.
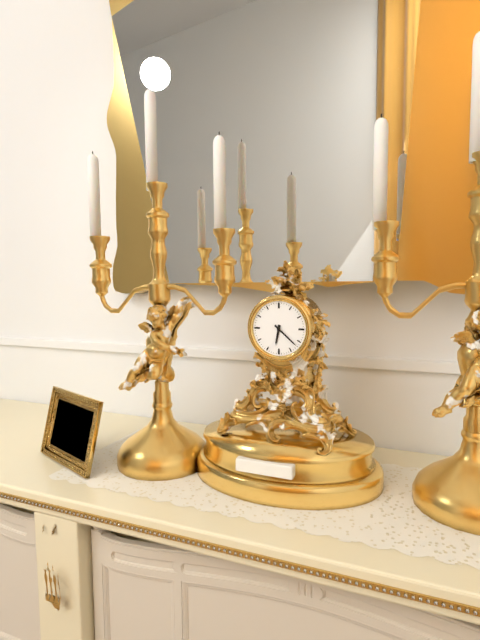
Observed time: 6:22
